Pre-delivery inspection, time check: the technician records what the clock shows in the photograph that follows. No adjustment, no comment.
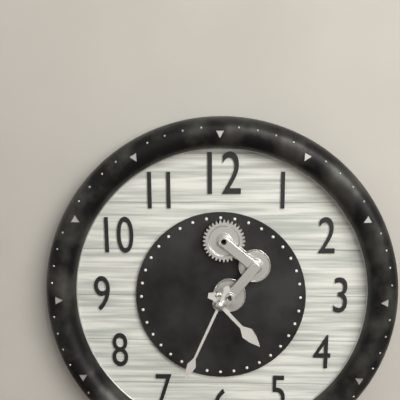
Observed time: 4:34
